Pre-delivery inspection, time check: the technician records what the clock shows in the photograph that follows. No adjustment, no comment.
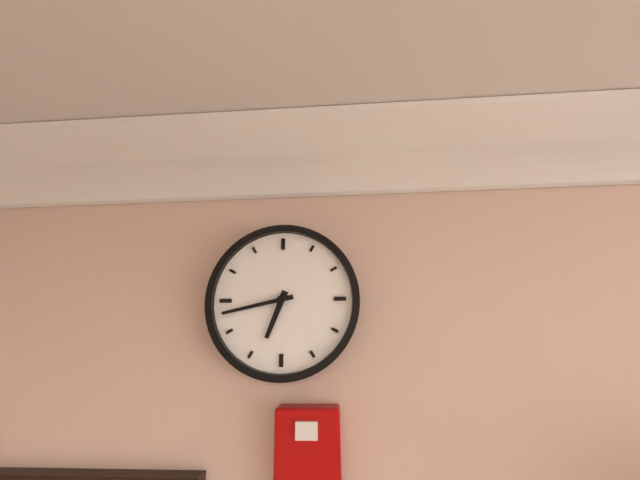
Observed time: 6:43
